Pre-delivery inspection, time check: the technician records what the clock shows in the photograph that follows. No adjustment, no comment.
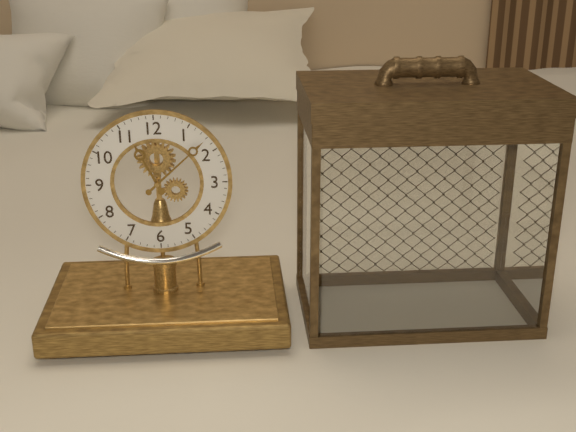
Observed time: 11:08
